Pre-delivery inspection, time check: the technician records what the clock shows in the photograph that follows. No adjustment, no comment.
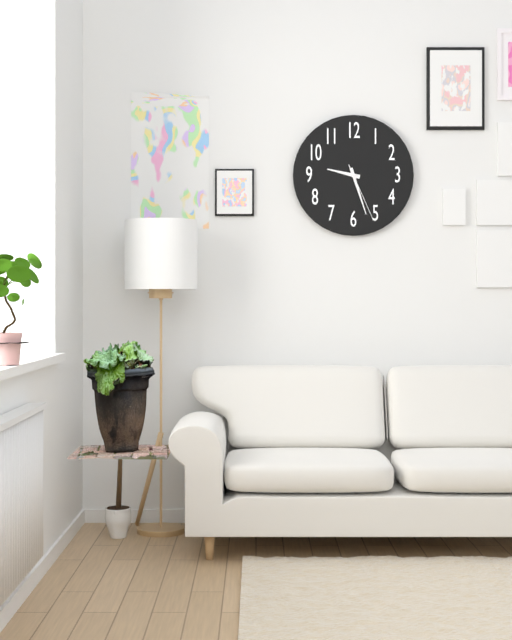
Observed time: 9:27:26
